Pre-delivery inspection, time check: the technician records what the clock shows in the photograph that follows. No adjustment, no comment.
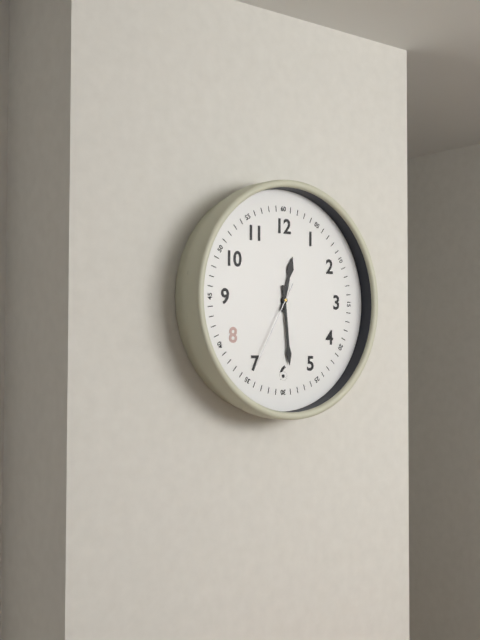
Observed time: 12:29:35
